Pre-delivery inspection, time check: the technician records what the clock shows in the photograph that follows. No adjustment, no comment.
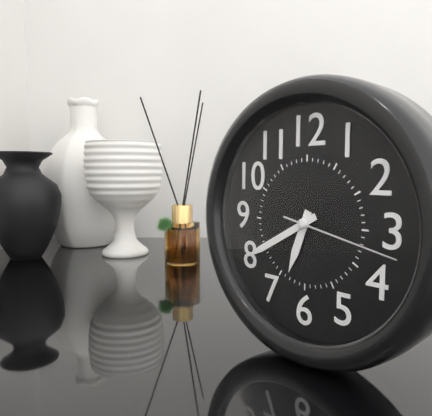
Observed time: 6:40:17
